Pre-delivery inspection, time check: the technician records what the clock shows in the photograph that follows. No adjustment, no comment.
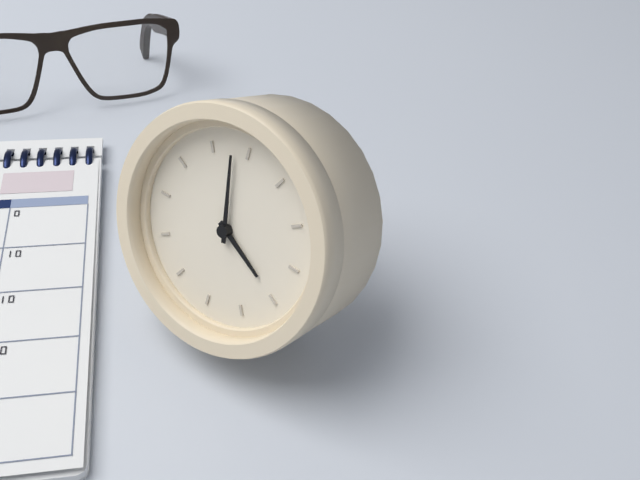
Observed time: 3:58
